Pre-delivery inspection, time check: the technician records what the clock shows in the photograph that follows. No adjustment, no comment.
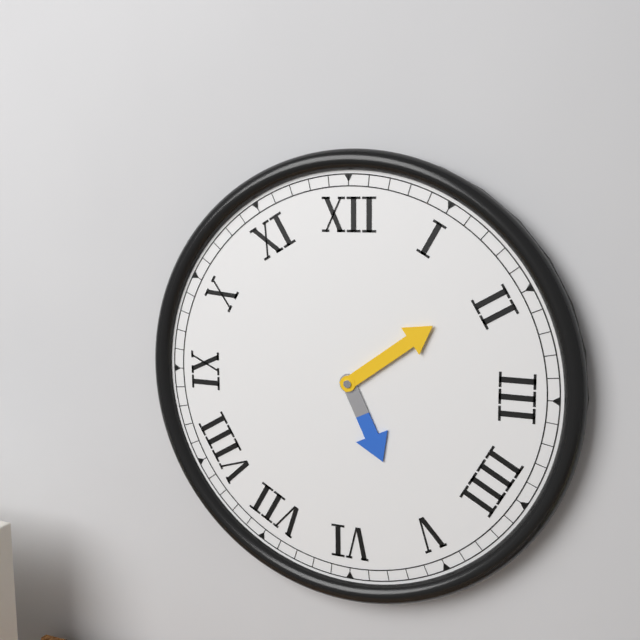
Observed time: 5:09
